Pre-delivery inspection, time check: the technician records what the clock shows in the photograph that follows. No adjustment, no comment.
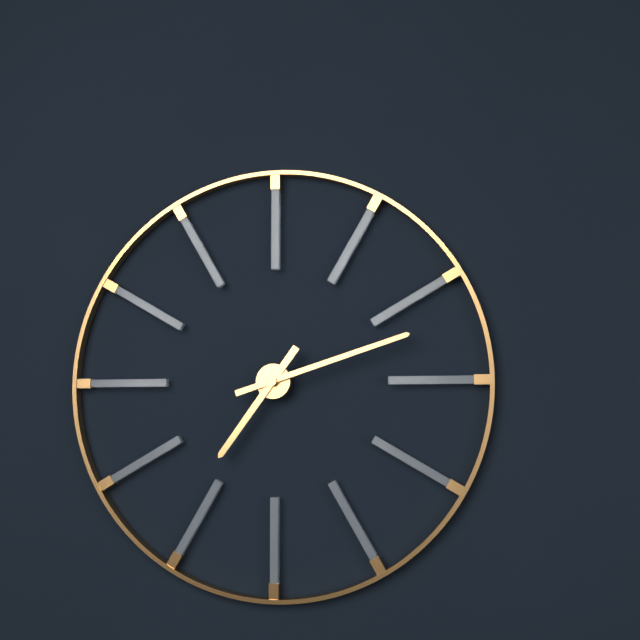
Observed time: 7:12
